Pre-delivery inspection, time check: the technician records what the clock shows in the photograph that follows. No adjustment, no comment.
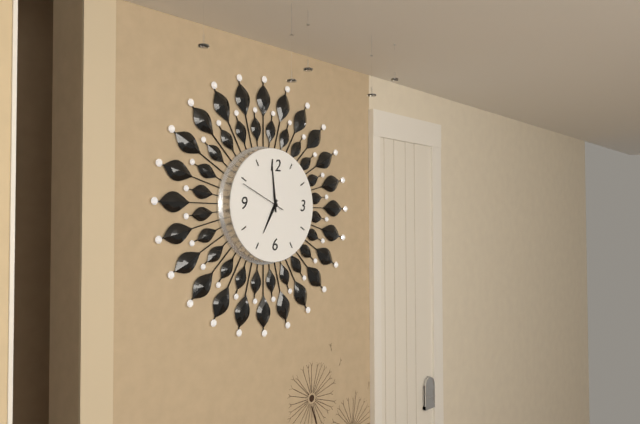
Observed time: 6:59
